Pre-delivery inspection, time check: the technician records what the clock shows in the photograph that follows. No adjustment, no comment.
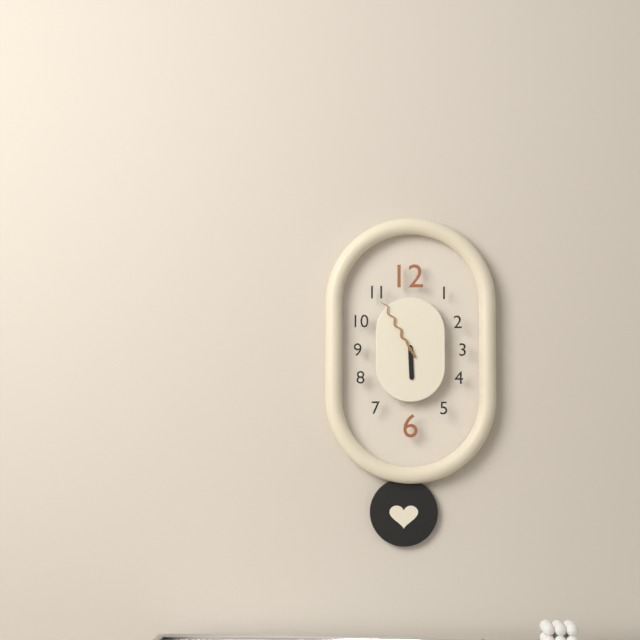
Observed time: 5:55
